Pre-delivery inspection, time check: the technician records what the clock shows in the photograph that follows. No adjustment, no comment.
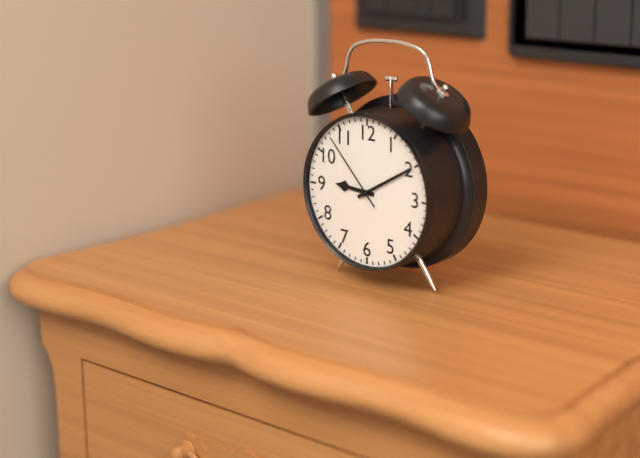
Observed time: 9:10:53
